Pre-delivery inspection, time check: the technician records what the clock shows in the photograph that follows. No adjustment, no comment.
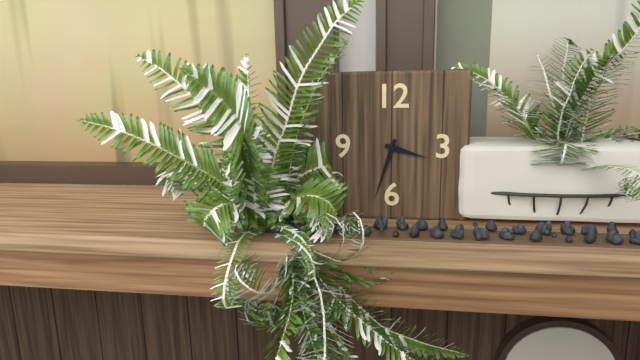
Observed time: 3:33
